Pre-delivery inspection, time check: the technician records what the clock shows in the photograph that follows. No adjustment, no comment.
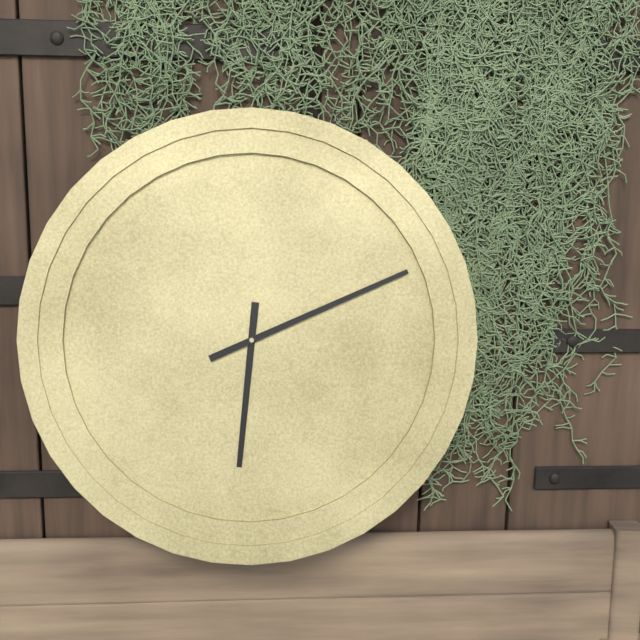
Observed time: 6:11
